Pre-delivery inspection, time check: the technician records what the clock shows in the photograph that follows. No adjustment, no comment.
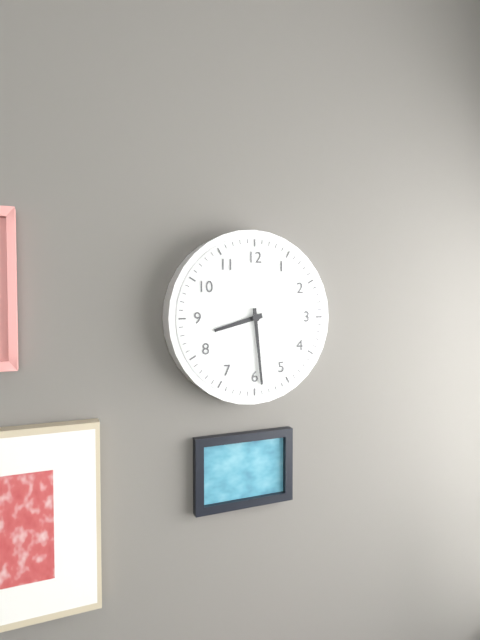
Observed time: 8:29
